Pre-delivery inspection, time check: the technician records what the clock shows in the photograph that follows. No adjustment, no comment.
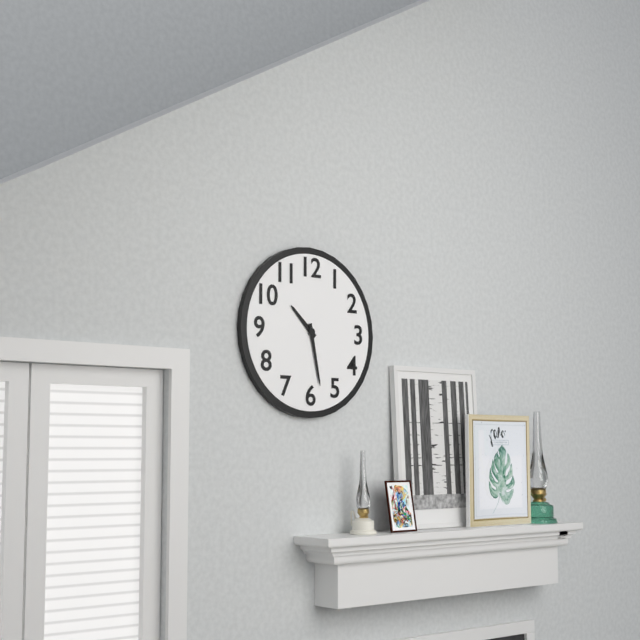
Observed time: 10:28
